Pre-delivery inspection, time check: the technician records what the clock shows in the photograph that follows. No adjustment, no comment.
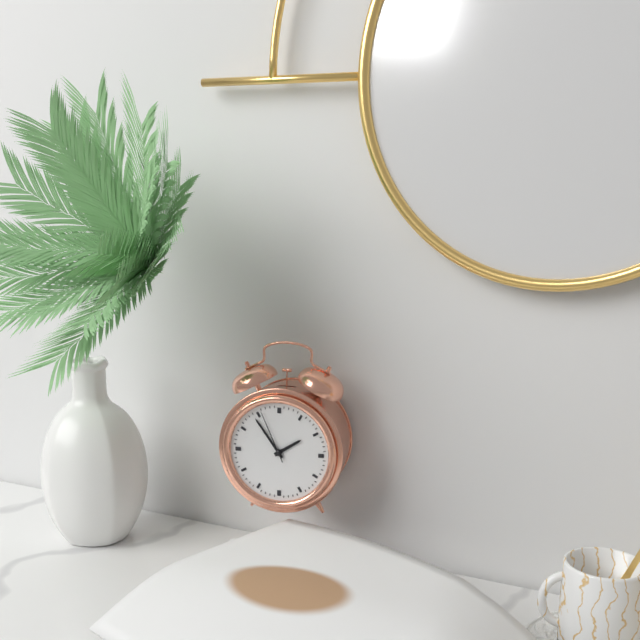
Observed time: 1:54:56
